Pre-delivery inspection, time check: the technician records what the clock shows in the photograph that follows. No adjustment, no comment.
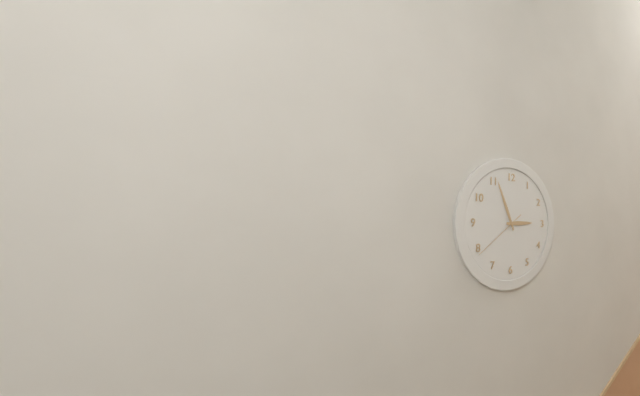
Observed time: 2:56:39
